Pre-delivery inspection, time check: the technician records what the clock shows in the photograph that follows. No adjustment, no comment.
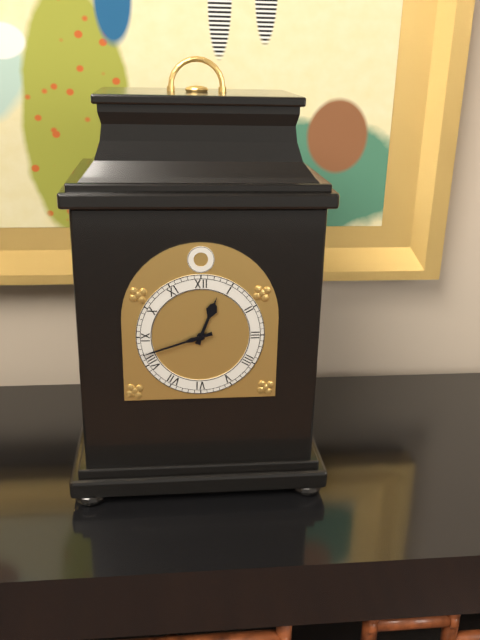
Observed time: 12:42
